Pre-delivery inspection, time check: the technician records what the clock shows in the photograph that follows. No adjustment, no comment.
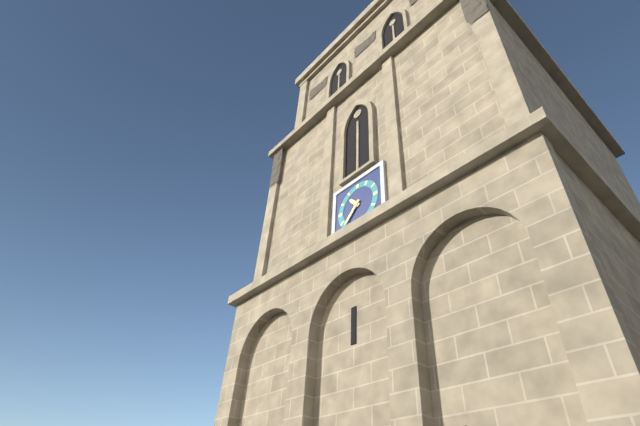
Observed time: 10:37
